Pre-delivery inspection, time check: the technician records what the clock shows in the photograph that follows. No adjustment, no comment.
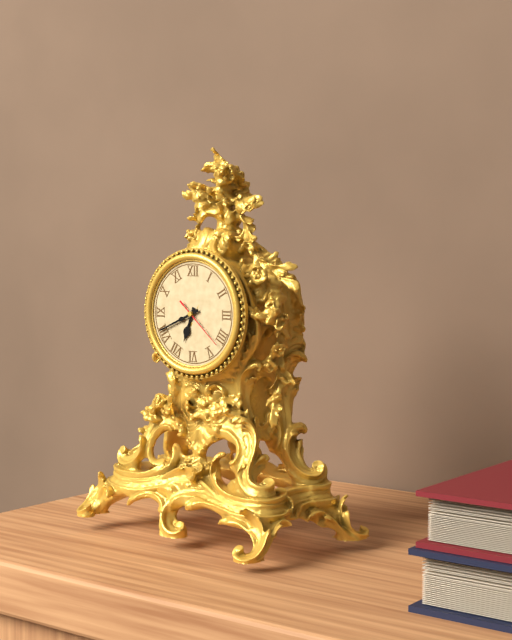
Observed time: 6:41
